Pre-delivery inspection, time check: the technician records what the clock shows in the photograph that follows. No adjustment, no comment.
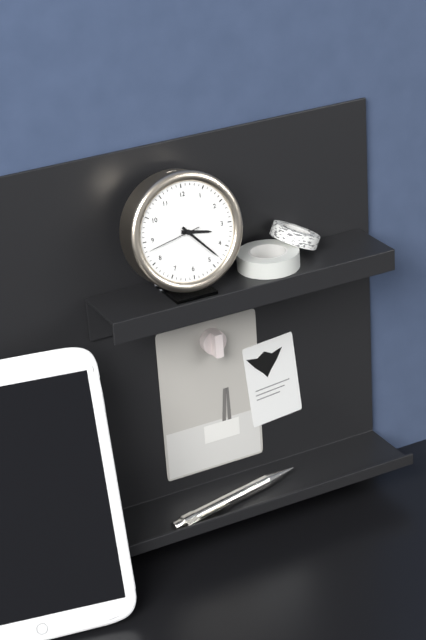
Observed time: 3:23:43
